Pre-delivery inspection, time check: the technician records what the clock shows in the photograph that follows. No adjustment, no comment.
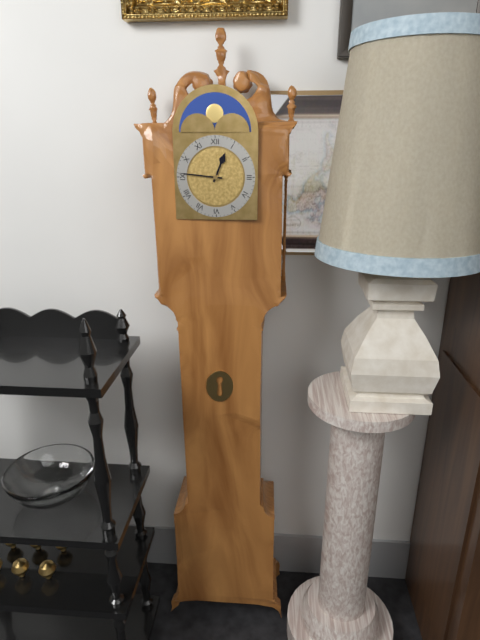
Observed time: 12:46
